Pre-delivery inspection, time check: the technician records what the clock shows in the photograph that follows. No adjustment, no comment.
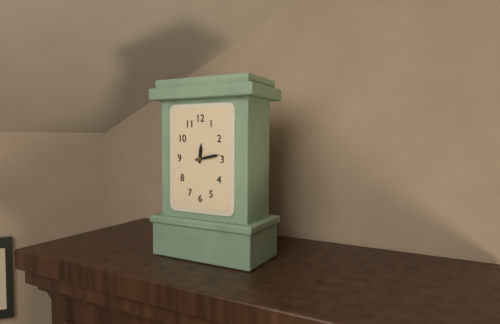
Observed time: 12:13
